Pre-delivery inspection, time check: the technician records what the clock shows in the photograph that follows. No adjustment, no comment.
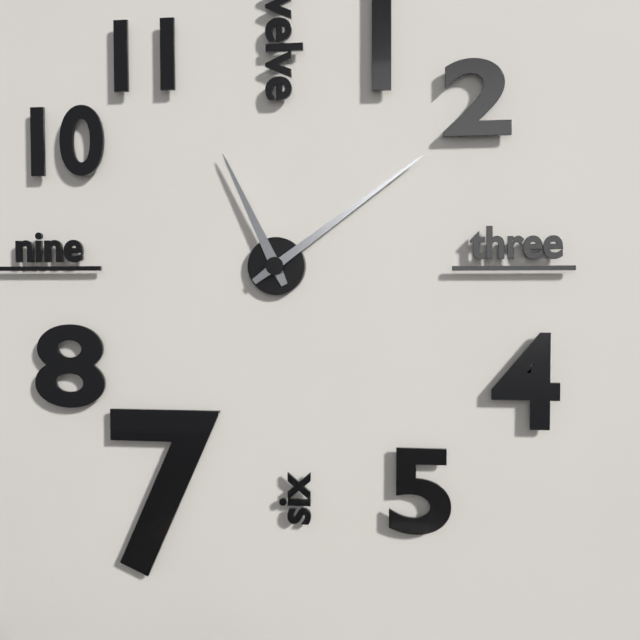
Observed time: 11:09
